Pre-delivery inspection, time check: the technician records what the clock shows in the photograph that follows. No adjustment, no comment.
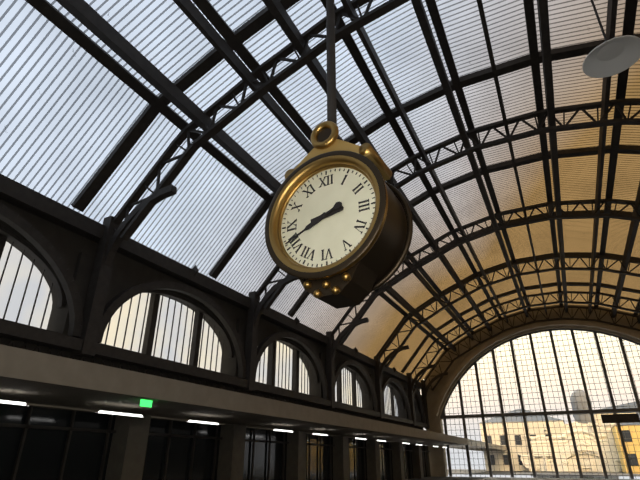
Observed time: 2:41
